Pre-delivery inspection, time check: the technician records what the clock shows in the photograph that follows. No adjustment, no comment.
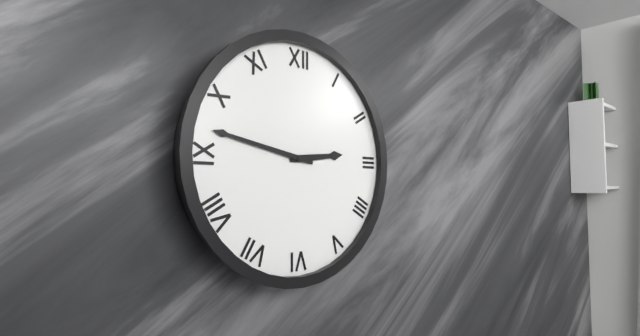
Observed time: 2:47
